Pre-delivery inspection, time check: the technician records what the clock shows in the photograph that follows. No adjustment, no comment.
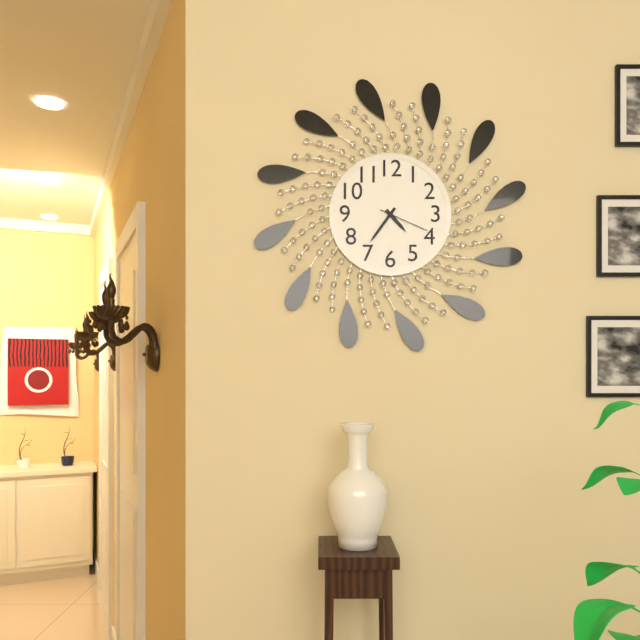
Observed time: 4:36:19
